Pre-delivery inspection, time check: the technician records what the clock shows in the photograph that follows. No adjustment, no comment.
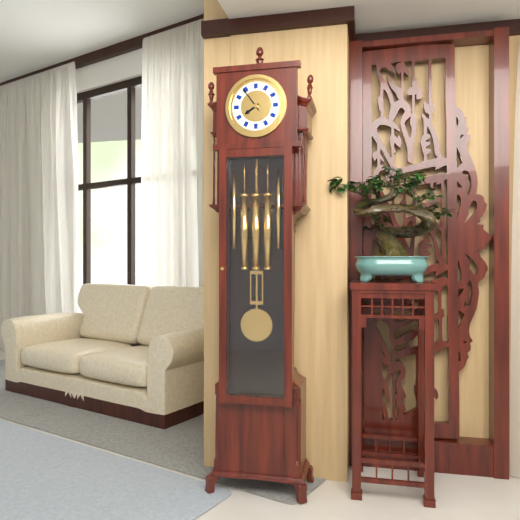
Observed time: 7:54
